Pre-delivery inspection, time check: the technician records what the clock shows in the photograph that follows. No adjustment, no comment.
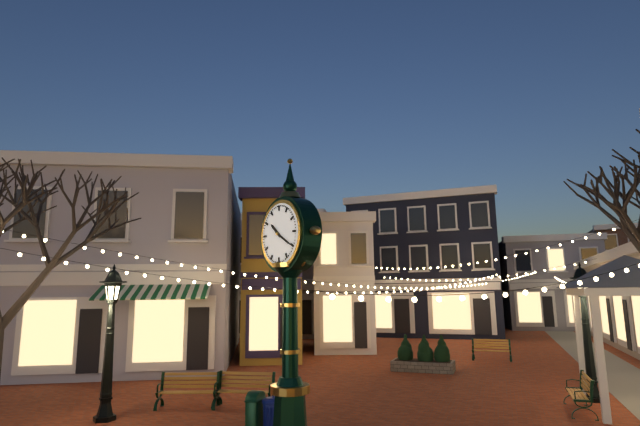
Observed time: 10:20
